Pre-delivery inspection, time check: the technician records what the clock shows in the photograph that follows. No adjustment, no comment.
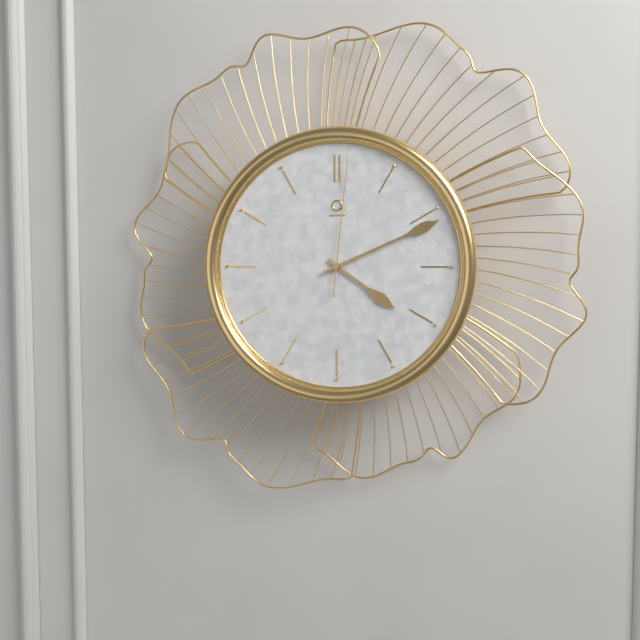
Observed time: 4:11:01
